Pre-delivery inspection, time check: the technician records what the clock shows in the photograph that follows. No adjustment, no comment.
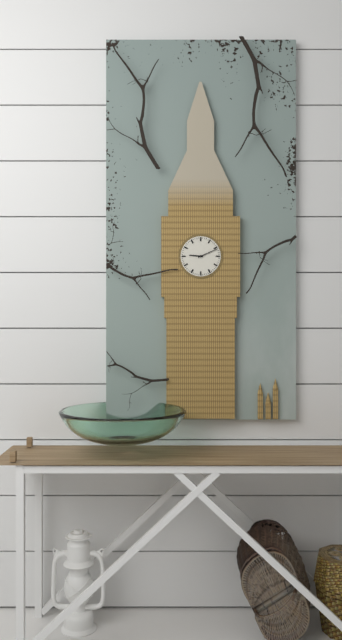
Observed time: 9:11
